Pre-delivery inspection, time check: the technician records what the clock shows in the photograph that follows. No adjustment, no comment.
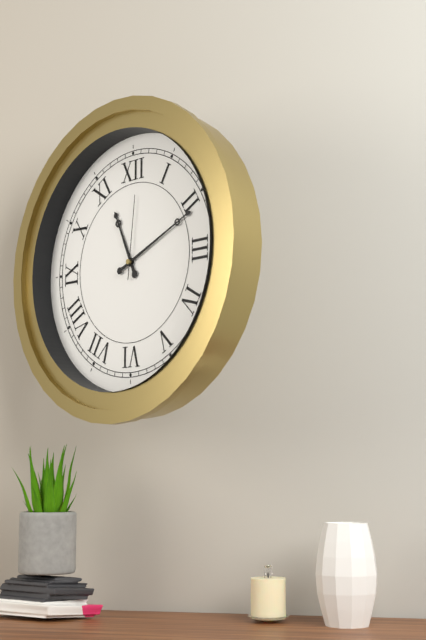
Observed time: 11:11:01
